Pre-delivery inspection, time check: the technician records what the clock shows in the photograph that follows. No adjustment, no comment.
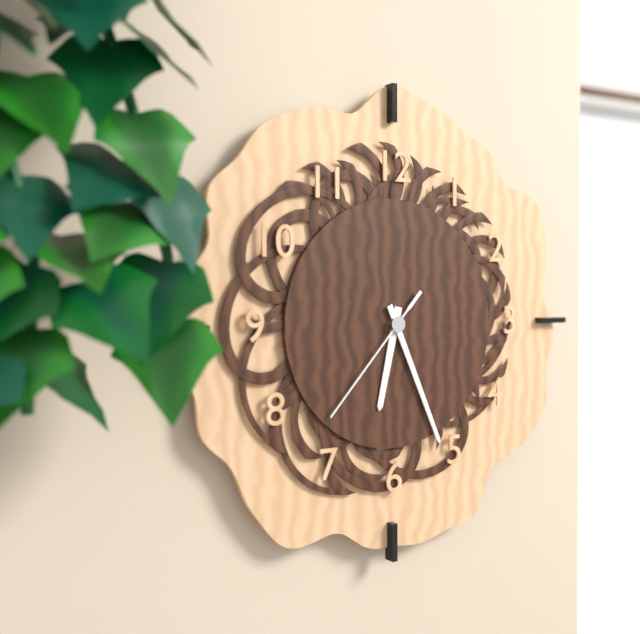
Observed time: 6:26:37
